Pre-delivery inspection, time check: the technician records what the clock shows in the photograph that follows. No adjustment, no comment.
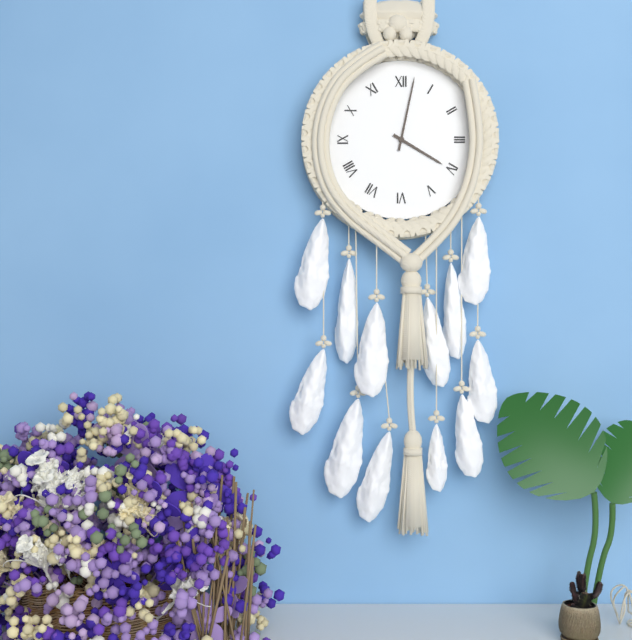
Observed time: 4:02
